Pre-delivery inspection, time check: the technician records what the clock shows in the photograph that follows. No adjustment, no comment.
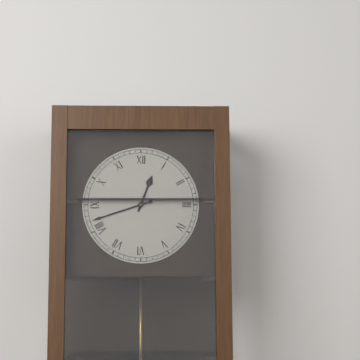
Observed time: 12:42
